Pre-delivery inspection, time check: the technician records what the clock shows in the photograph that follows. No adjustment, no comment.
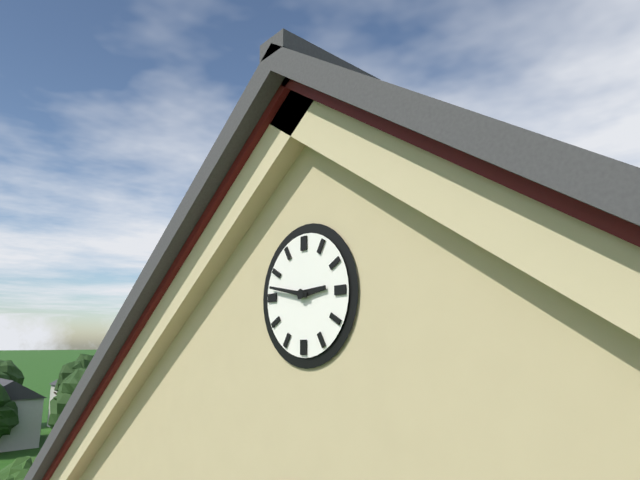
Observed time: 2:47
